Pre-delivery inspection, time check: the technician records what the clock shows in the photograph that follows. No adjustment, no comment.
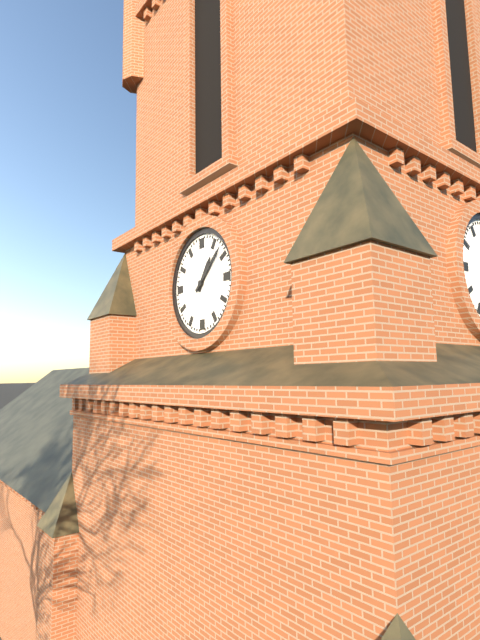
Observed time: 1:08
